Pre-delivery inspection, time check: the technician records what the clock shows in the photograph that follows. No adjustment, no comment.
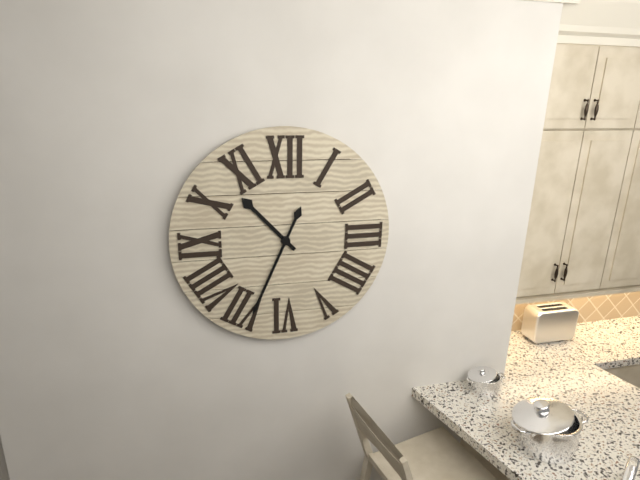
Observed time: 10:34
